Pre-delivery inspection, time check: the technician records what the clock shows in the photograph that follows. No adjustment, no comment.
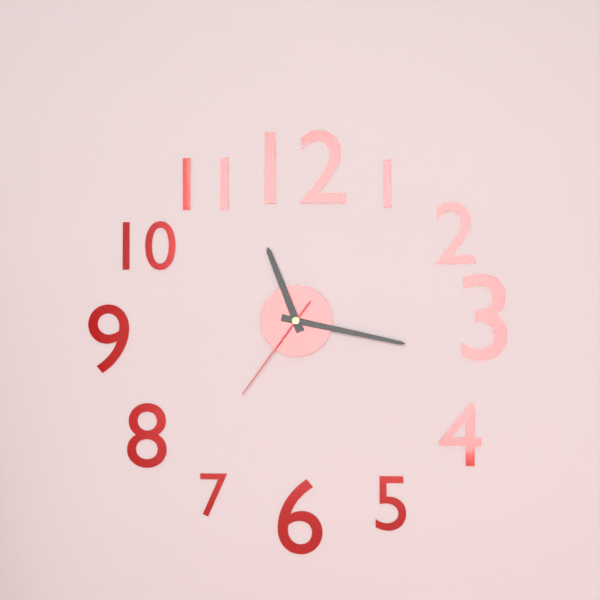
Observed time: 11:17:36
